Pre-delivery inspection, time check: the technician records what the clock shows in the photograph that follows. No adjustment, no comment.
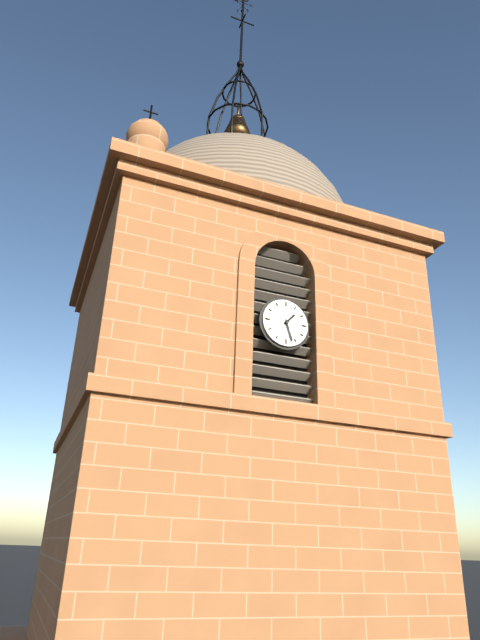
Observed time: 1:27
